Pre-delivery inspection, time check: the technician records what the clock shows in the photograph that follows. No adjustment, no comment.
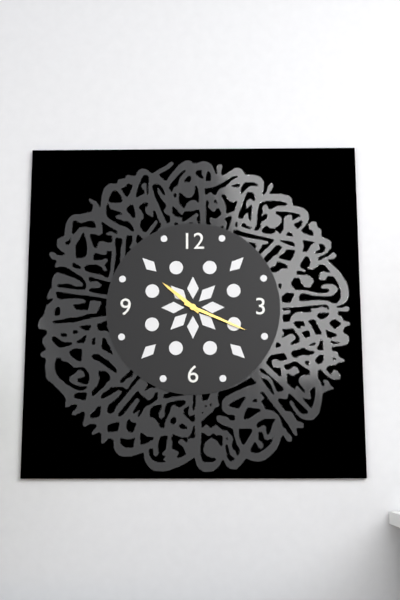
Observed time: 10:19
